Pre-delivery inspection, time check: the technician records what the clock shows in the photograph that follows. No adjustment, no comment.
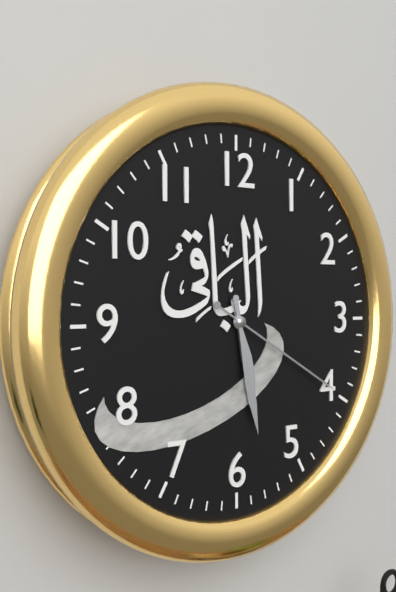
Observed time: 5:28:20
